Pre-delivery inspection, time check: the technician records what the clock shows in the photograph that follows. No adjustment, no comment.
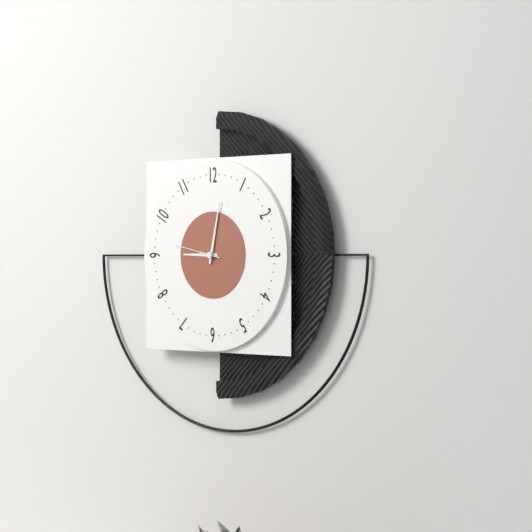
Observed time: 9:02
